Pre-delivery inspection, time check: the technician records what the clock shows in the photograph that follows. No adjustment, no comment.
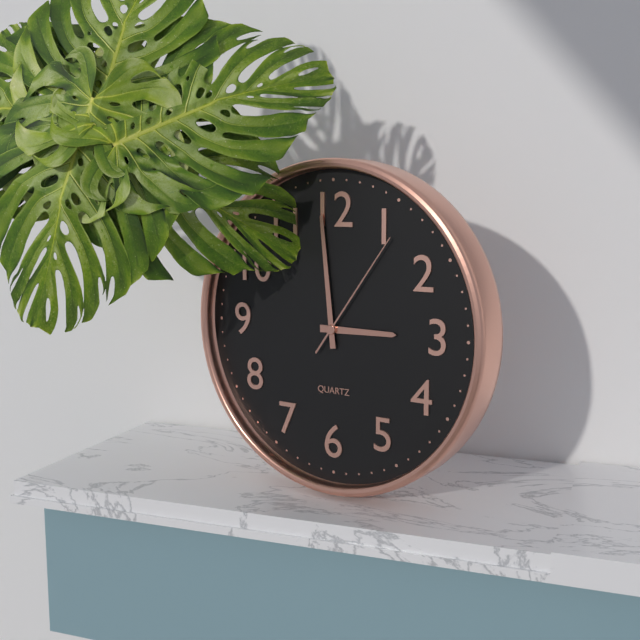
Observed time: 2:59:06
